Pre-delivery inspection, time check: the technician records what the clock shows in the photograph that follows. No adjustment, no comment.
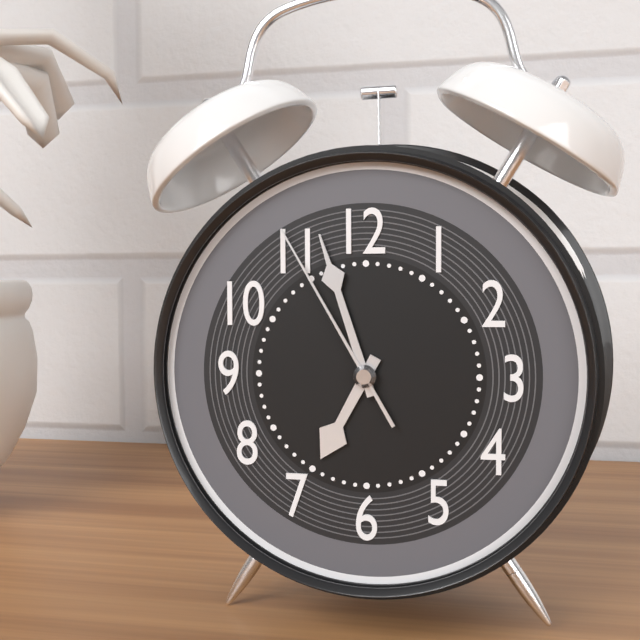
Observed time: 6:57:55
